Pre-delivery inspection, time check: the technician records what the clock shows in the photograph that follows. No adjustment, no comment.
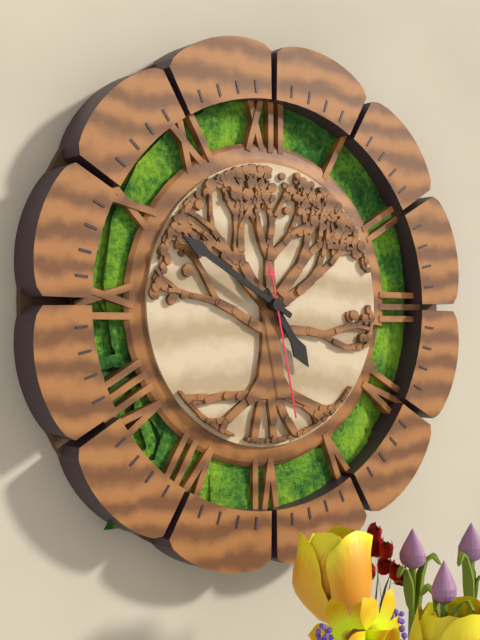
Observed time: 4:50:28
